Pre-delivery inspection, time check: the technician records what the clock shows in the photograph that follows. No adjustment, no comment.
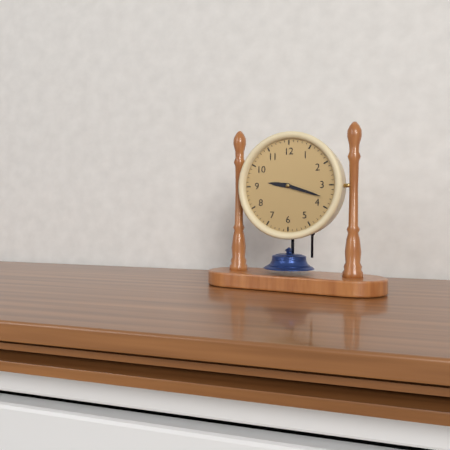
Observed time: 9:18
